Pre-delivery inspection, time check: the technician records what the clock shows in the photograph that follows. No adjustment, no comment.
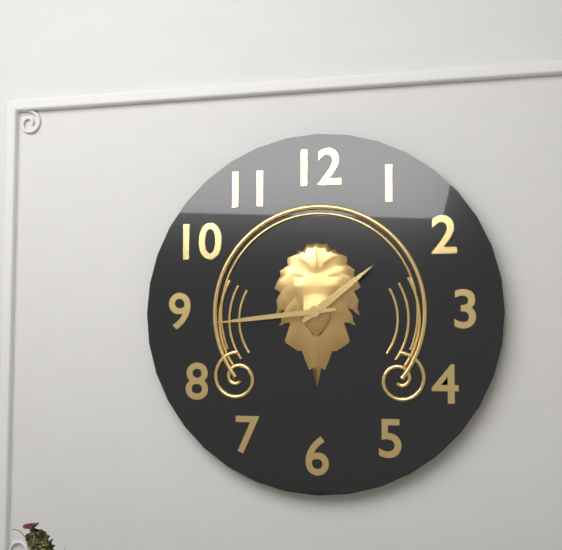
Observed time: 1:44
